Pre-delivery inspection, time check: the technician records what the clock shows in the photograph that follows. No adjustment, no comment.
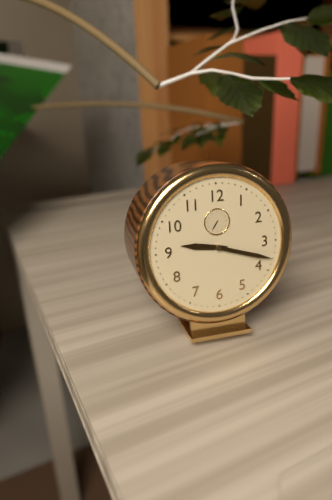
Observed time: 9:18
